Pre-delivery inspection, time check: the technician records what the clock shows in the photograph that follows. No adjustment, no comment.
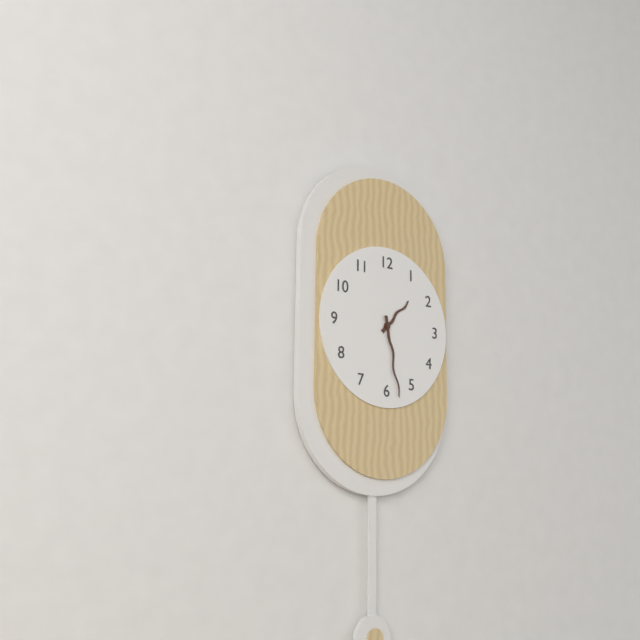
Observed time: 1:28
